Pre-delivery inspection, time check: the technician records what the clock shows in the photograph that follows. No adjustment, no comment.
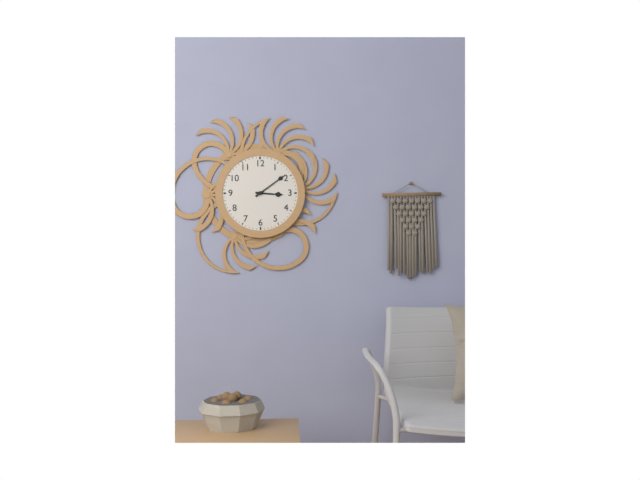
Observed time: 3:09
